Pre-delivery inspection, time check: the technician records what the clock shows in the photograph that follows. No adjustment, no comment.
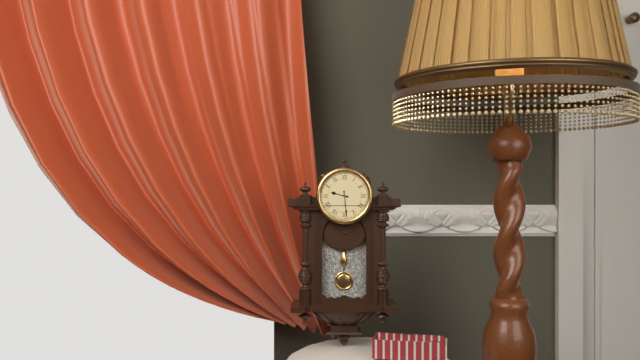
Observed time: 9:29
